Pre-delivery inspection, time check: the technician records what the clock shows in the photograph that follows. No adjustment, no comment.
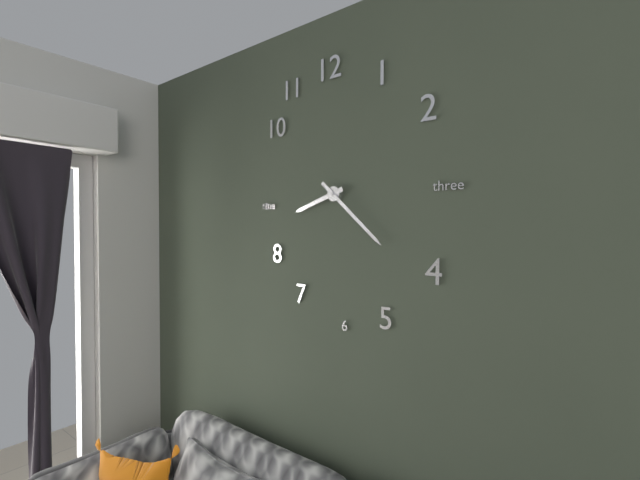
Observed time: 8:22
